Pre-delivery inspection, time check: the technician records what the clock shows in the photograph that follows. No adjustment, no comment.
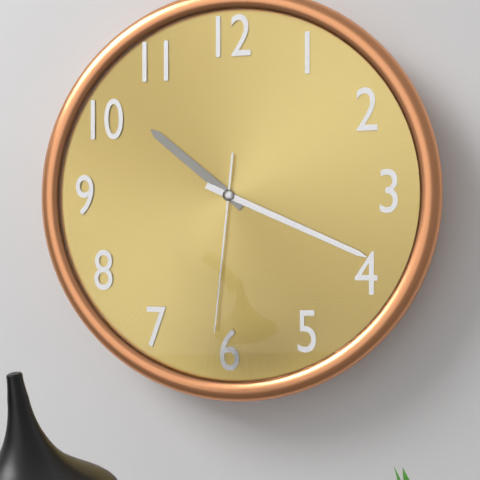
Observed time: 10:19:31
